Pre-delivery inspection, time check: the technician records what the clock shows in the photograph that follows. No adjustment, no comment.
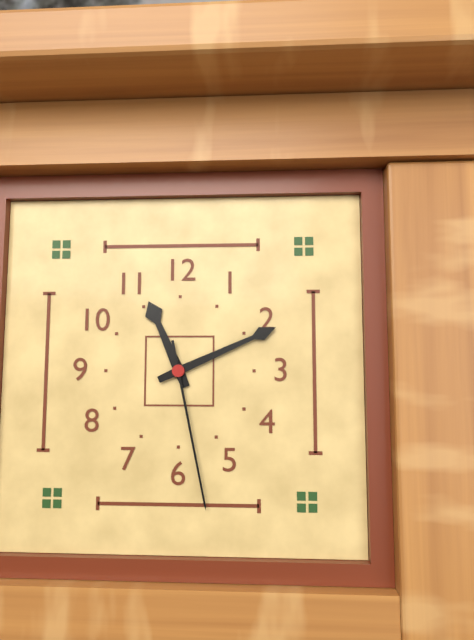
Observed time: 11:11:28
